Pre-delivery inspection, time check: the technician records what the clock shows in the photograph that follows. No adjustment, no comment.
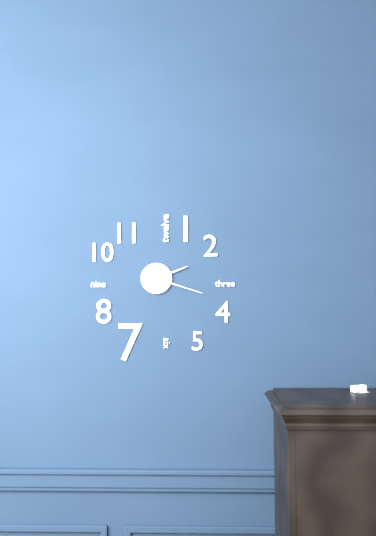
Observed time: 2:18
